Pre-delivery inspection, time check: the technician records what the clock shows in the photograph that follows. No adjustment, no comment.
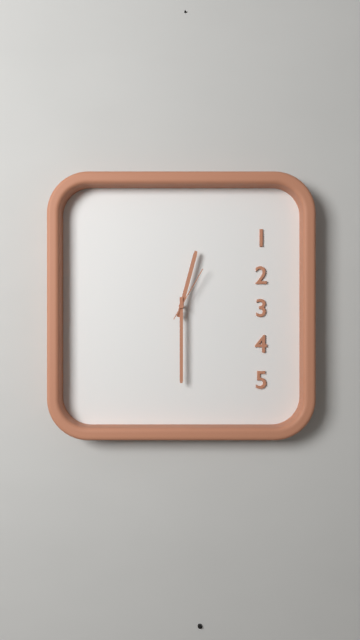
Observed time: 12:30:05
